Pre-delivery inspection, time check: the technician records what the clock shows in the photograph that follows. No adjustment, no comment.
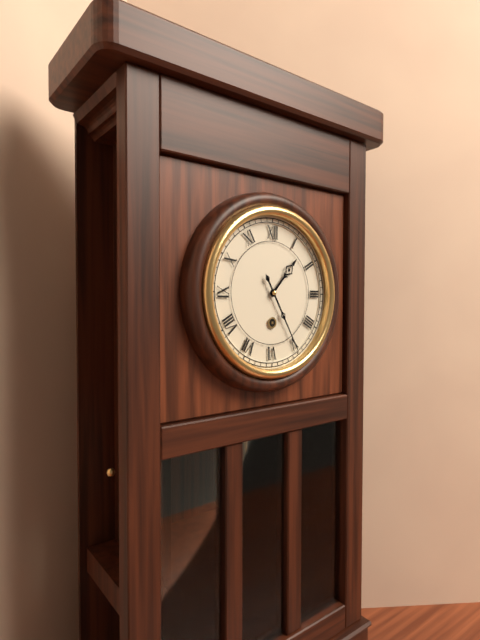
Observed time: 1:25
